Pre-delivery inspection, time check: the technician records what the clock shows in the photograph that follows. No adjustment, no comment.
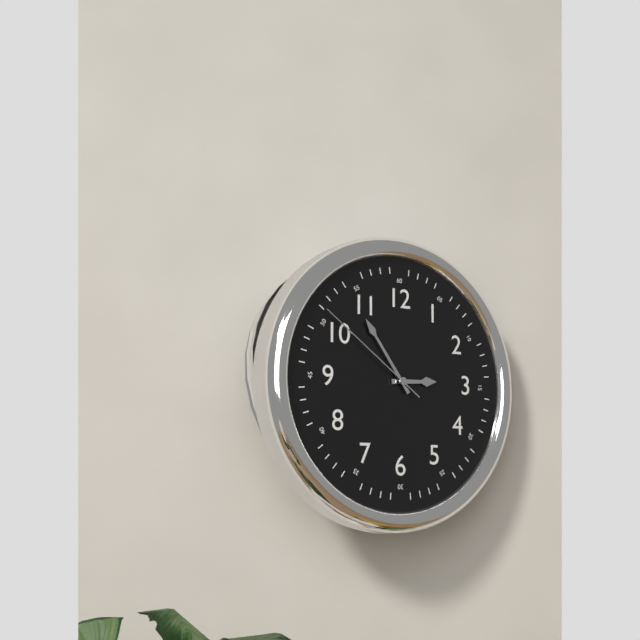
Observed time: 2:54:51
